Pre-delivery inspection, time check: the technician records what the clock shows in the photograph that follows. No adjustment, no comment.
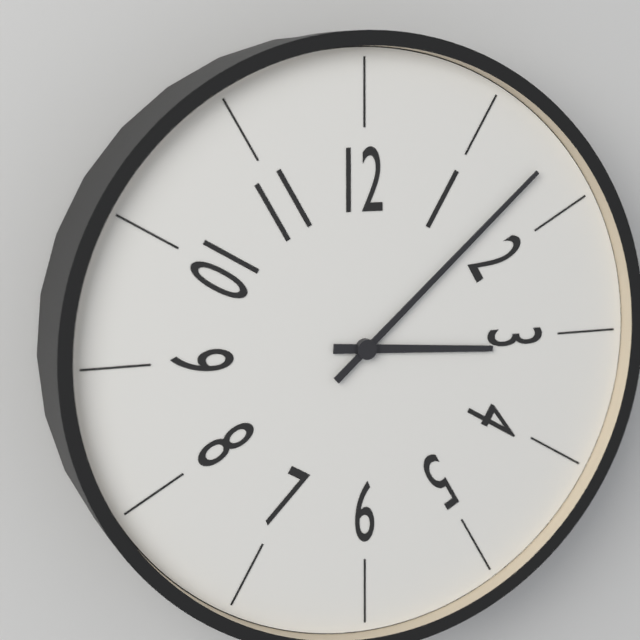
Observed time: 3:08
